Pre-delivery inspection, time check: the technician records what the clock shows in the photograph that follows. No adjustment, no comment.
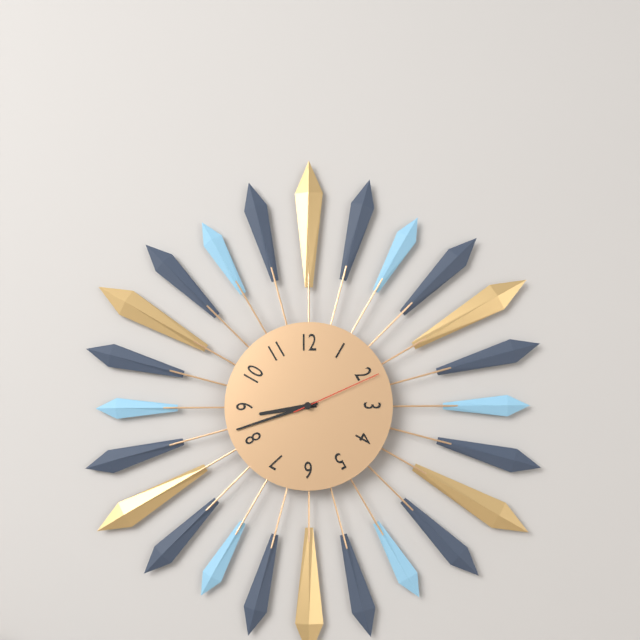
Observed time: 8:42:11
